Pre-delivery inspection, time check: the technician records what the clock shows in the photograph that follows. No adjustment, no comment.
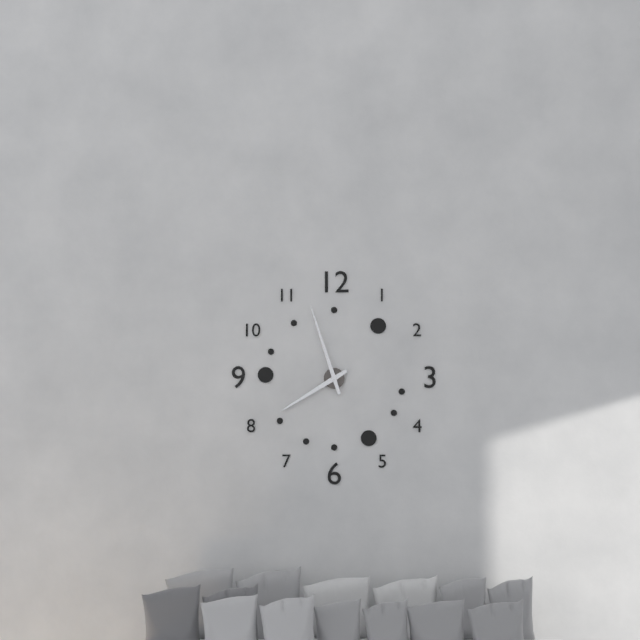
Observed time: 7:57
